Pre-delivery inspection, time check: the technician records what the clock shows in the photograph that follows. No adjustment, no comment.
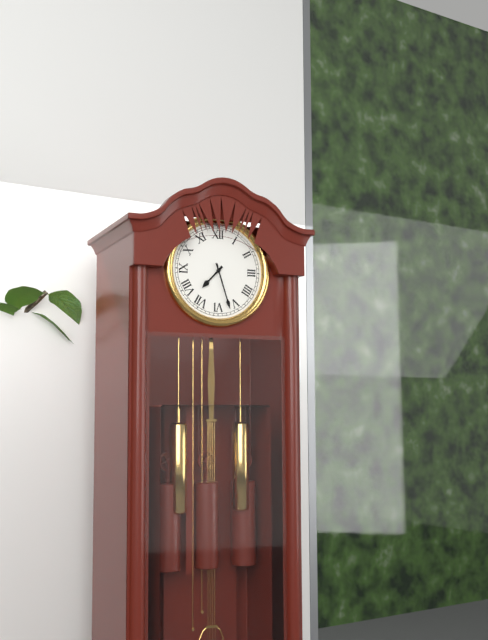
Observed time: 7:27
